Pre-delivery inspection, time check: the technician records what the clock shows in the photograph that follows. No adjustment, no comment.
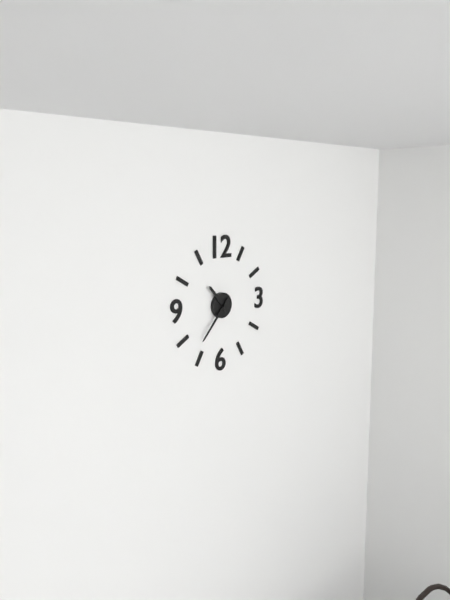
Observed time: 10:37
